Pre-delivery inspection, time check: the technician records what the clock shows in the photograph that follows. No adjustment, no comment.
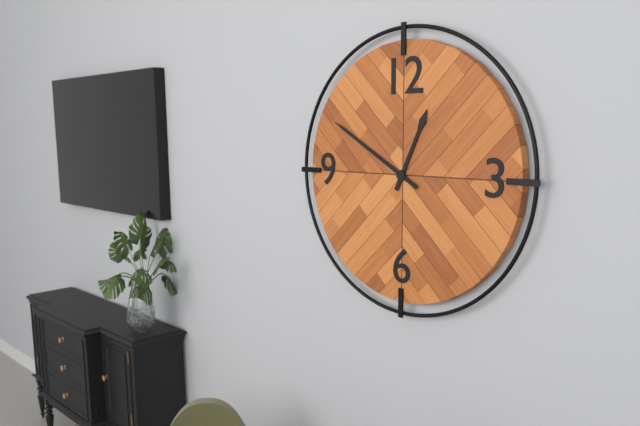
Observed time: 12:50
